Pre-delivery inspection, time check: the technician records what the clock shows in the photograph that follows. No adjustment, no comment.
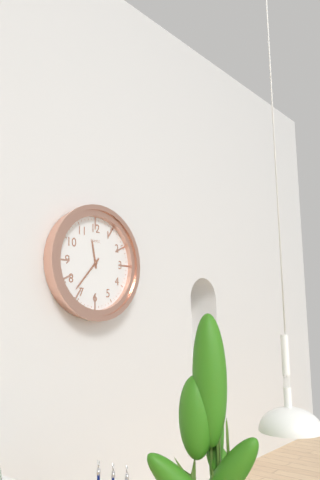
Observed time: 11:37
